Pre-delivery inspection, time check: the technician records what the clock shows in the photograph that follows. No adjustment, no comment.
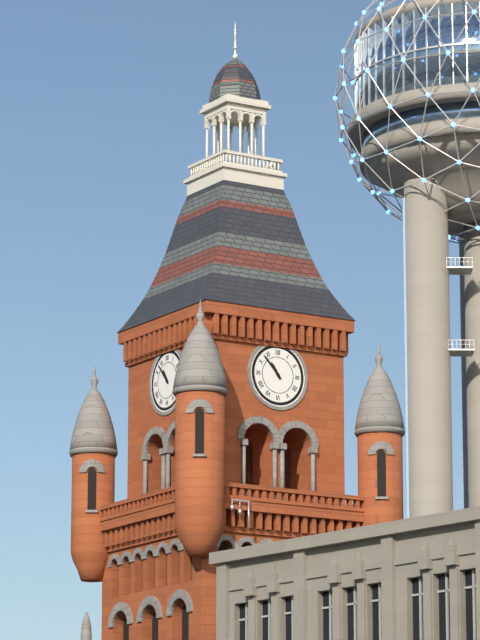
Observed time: 10:53
